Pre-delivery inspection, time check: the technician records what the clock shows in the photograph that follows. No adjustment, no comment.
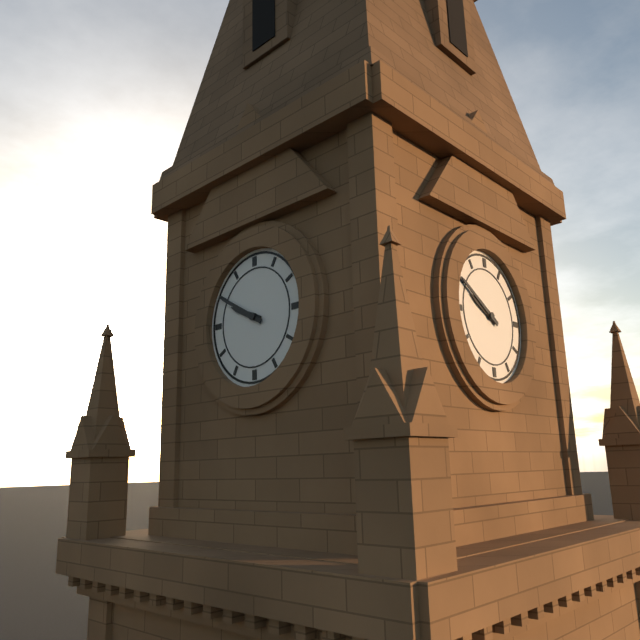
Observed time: 9:50
